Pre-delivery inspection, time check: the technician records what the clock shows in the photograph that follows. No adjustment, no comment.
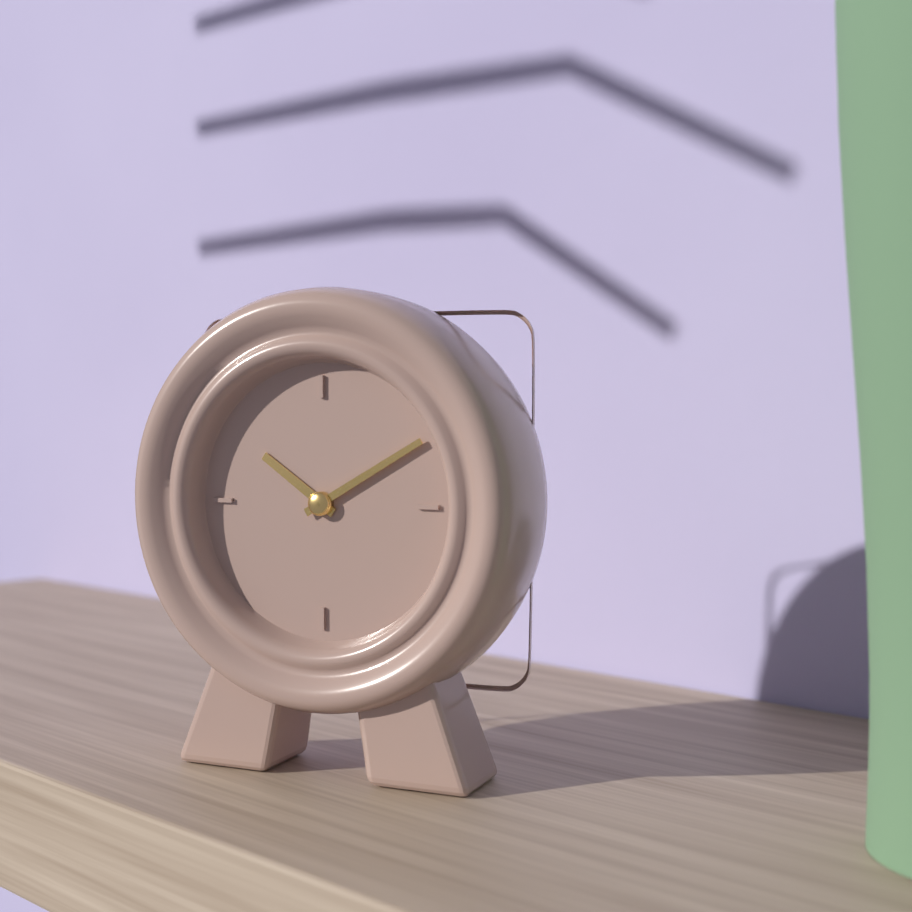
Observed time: 10:10
